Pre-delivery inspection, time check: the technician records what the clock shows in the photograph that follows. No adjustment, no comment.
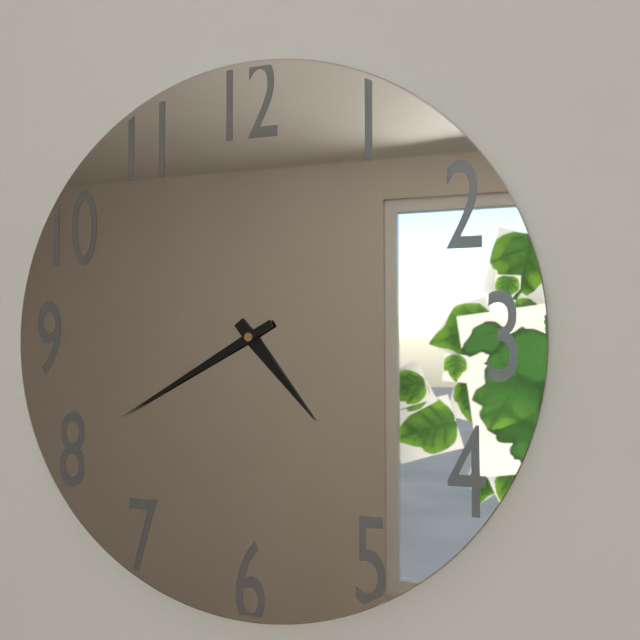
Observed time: 4:40
